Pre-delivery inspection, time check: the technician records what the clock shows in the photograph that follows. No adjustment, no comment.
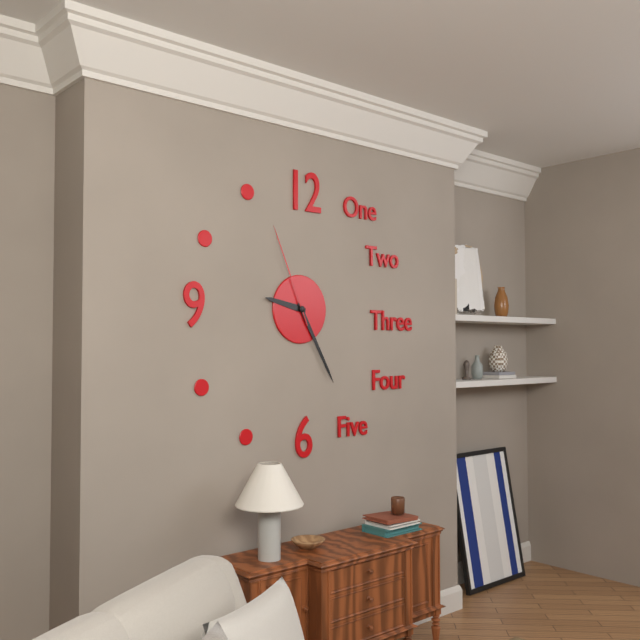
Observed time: 9:25:56
